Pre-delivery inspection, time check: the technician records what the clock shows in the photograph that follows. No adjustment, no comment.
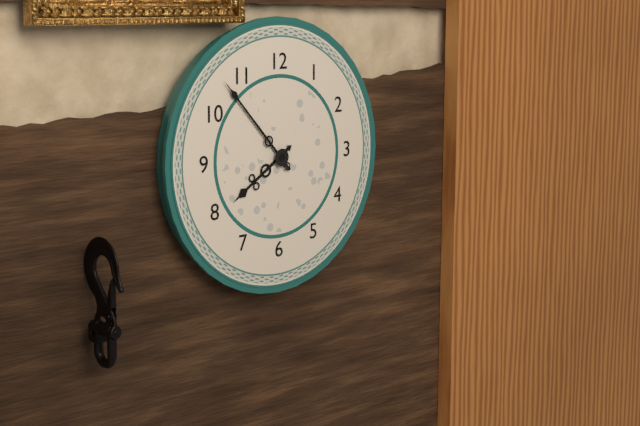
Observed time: 7:53
